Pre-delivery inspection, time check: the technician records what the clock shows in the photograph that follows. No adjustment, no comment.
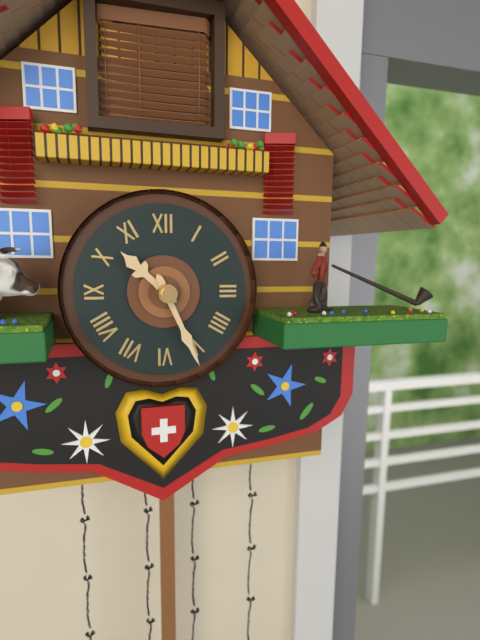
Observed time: 10:26
